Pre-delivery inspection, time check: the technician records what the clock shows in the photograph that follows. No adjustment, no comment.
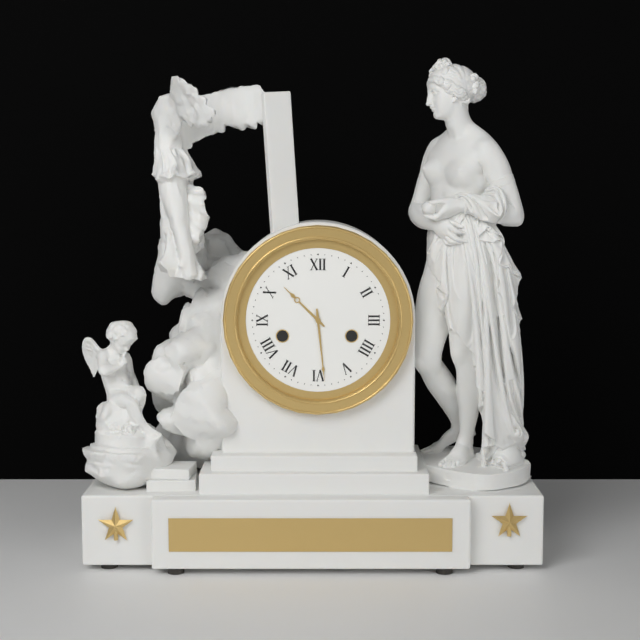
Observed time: 10:29
